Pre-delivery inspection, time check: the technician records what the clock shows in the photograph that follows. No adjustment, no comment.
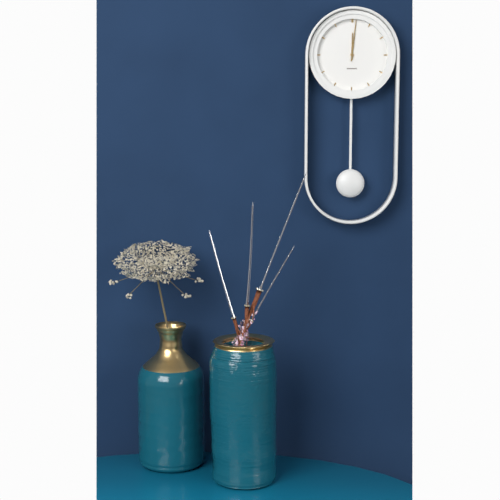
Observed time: 12:01
